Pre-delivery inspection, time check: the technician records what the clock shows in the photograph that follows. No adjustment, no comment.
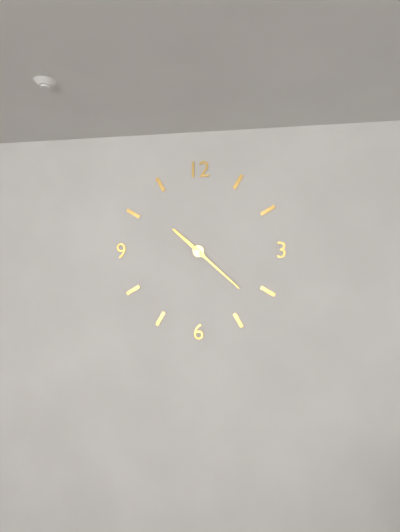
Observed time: 10:22
